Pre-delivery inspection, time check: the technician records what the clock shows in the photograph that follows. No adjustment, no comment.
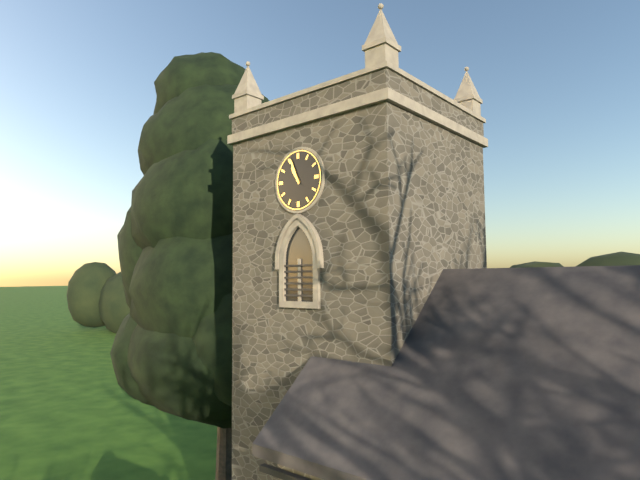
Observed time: 10:56
